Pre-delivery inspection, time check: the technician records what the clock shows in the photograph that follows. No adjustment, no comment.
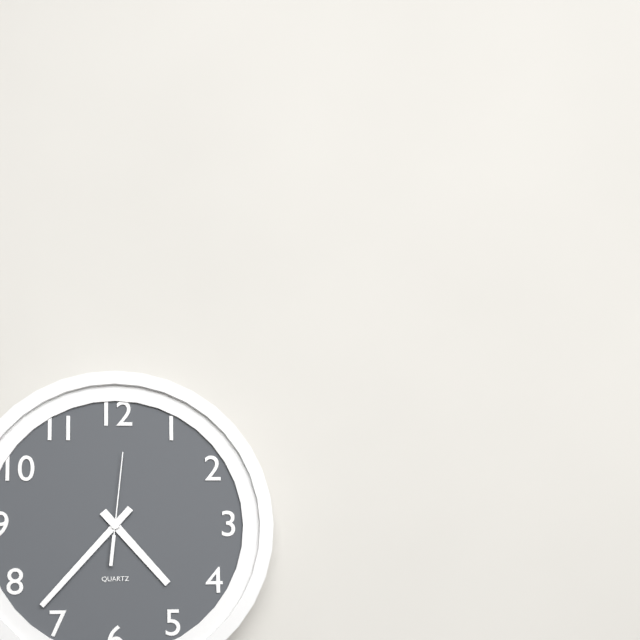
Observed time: 4:37:01
